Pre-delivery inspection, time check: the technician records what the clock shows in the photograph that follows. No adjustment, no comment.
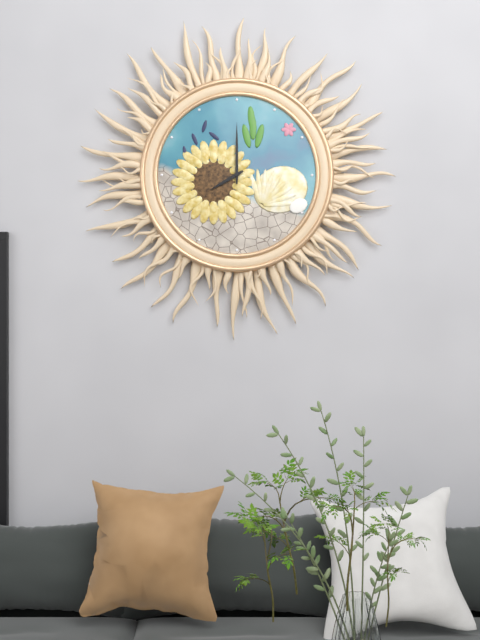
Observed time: 8:00
